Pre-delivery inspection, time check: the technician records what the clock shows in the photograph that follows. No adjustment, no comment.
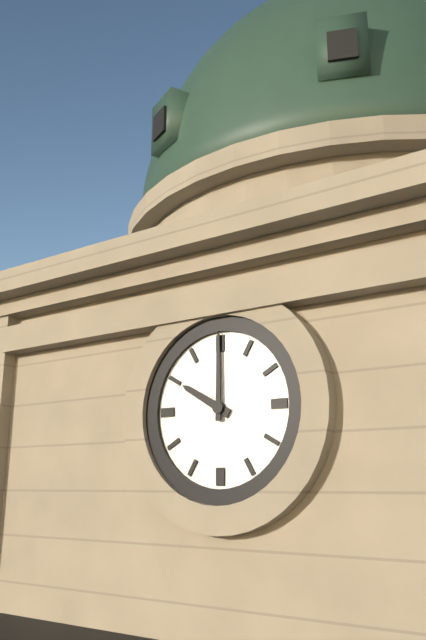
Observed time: 10:00
